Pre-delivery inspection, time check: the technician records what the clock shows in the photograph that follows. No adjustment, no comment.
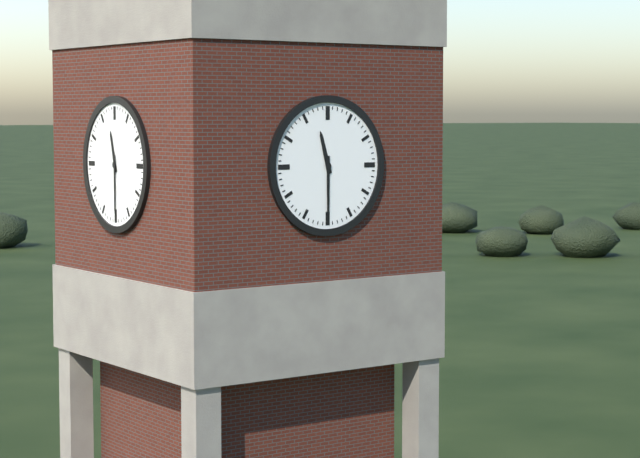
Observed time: 11:30
